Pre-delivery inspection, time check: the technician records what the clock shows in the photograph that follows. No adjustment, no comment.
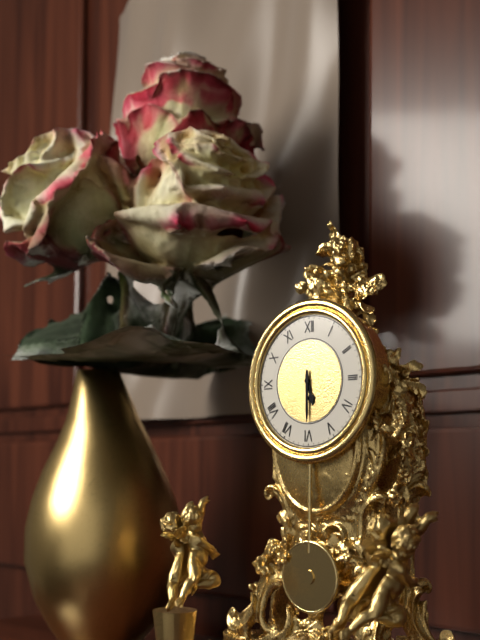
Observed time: 5:30
